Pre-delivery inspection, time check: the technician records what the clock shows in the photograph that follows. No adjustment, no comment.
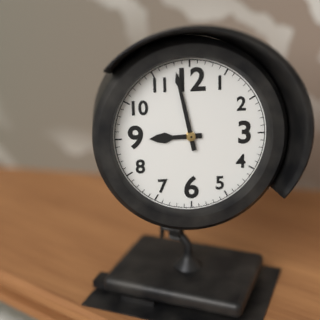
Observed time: 8:58
